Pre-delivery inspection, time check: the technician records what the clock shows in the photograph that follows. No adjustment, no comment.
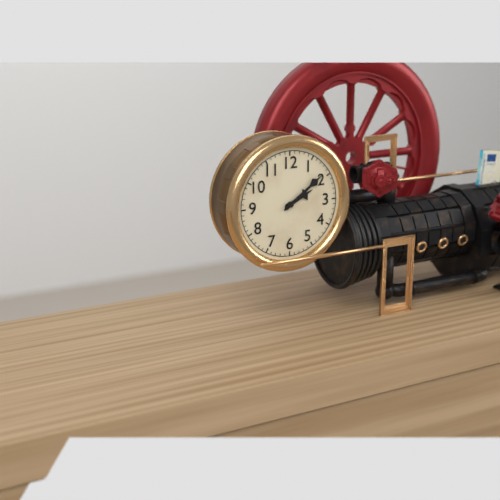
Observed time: 2:09
